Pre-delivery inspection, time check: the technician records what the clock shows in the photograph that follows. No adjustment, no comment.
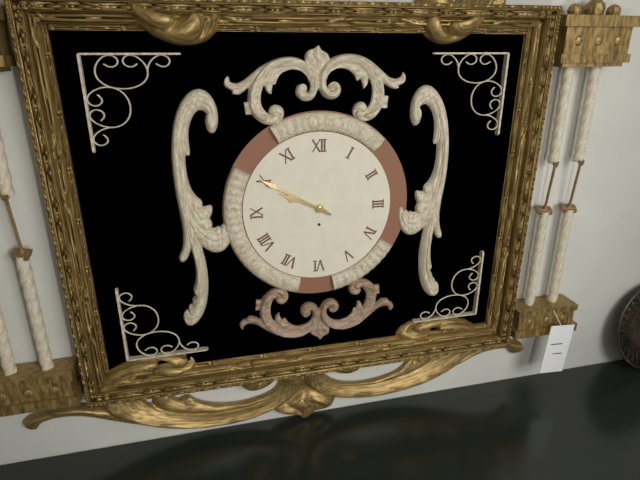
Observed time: 9:50
